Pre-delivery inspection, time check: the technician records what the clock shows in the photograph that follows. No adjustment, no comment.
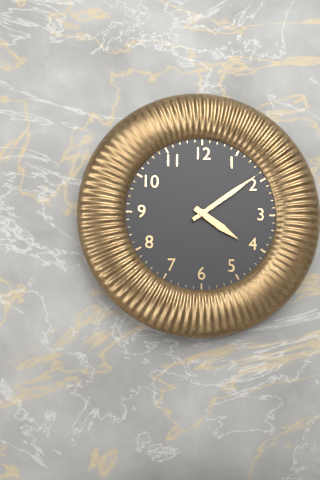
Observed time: 4:09
